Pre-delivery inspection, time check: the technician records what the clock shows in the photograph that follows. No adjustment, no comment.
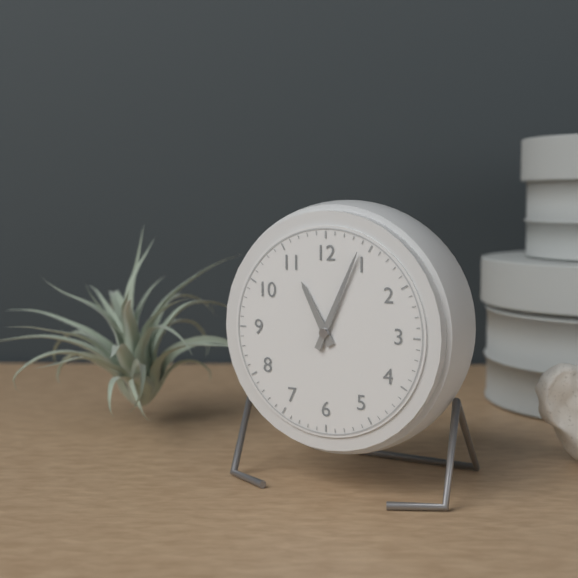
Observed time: 11:04
